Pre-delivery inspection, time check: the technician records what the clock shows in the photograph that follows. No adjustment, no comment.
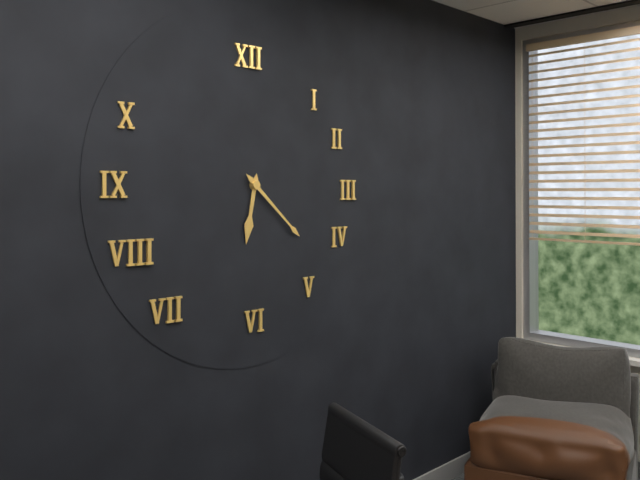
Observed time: 6:22
